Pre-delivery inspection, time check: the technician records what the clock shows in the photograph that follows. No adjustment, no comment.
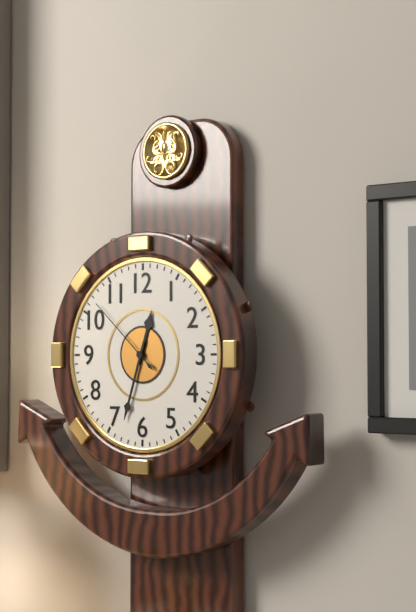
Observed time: 12:33:52
